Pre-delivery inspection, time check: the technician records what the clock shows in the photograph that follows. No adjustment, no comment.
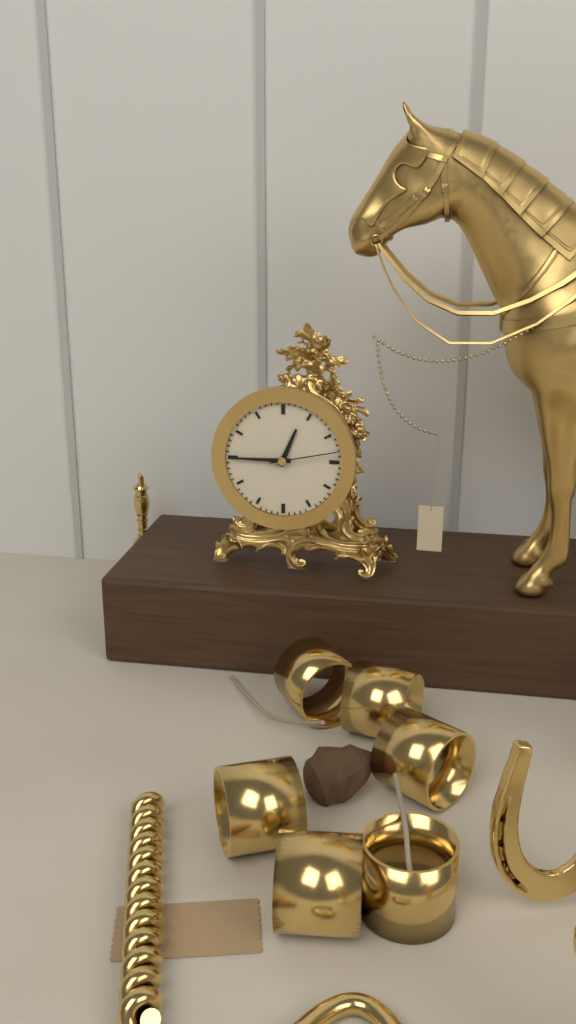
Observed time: 12:45:13
